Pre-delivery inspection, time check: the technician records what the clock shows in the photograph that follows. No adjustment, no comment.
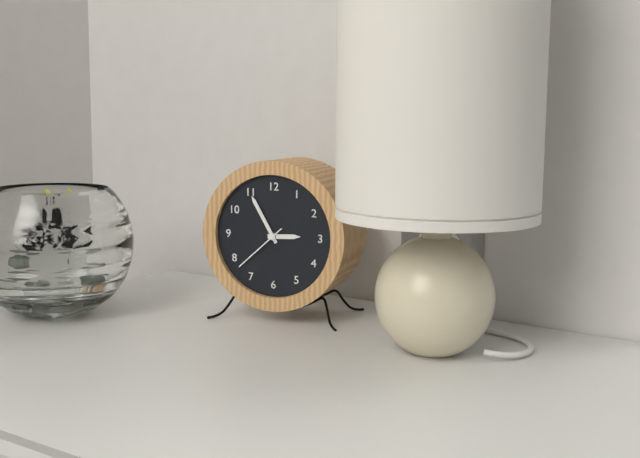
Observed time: 2:55:38
